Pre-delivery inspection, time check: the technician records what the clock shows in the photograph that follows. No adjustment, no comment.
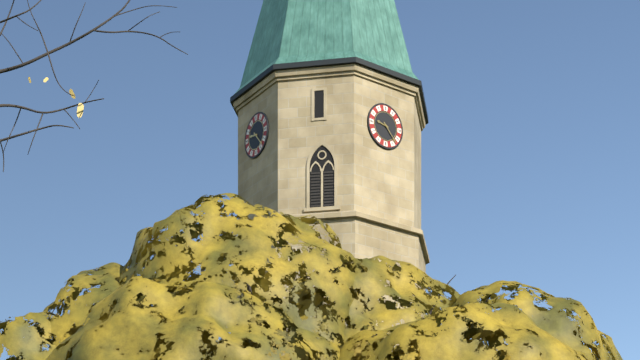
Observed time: 9:23
